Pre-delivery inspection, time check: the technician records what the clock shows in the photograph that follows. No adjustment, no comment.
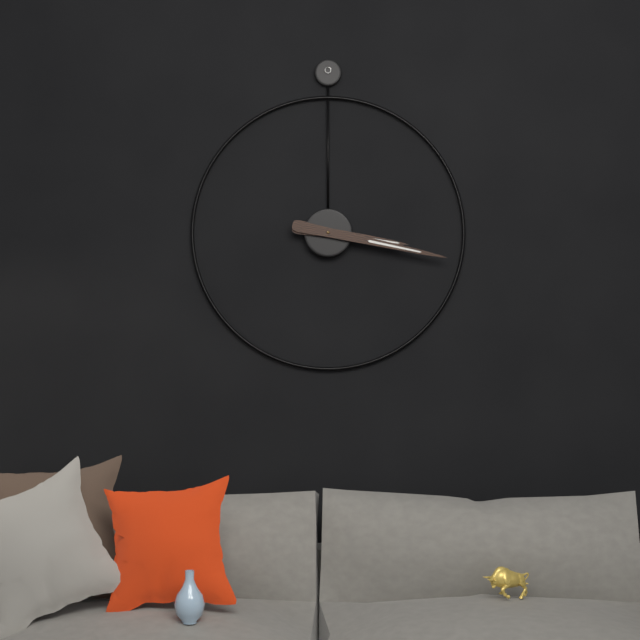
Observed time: 3:17
